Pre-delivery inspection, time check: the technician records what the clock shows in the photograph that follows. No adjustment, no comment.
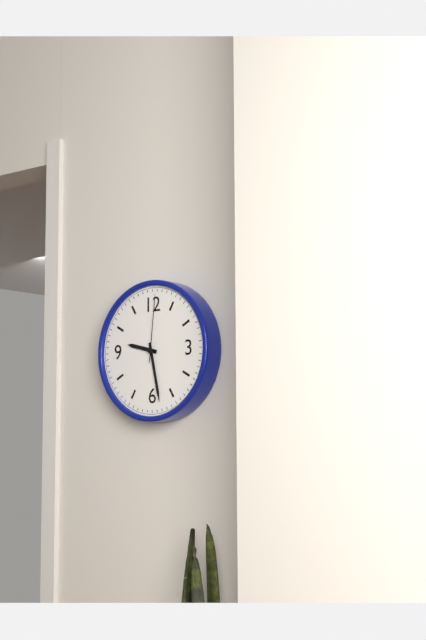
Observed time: 9:28:01
